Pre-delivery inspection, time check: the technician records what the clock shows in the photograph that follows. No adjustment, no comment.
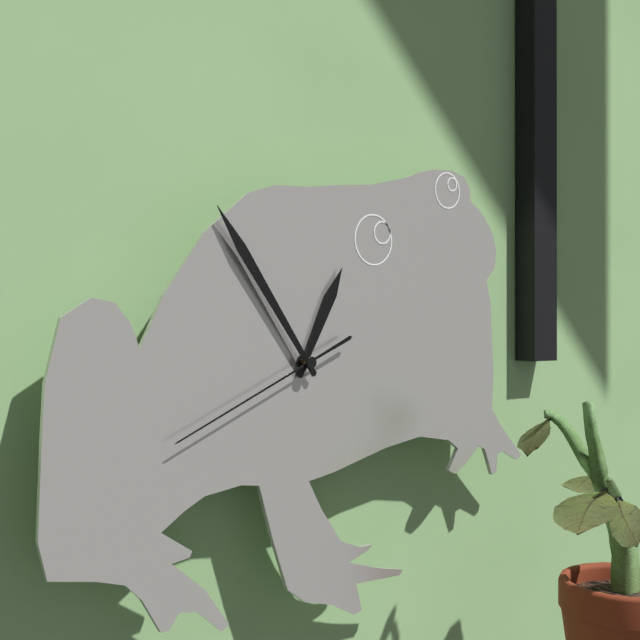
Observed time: 12:54:41
